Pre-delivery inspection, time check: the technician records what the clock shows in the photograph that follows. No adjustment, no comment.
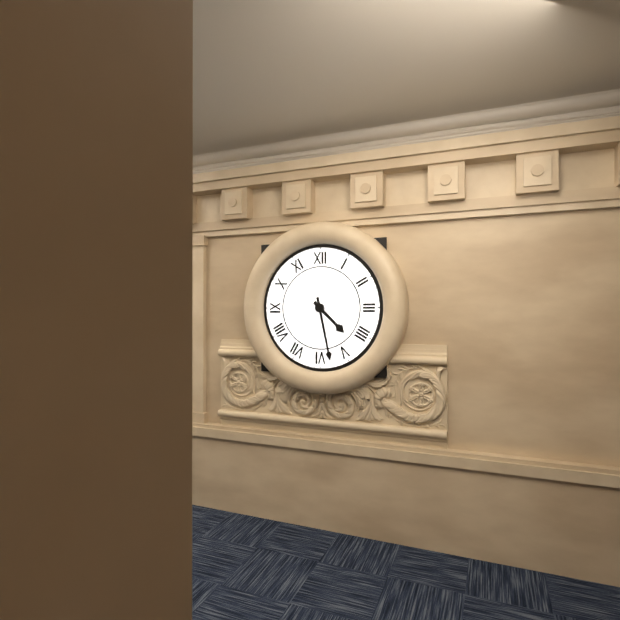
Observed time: 4:28
